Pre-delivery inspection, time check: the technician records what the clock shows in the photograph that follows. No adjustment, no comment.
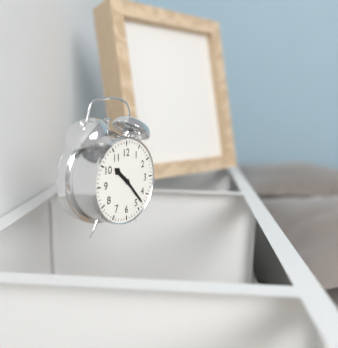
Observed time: 10:23
